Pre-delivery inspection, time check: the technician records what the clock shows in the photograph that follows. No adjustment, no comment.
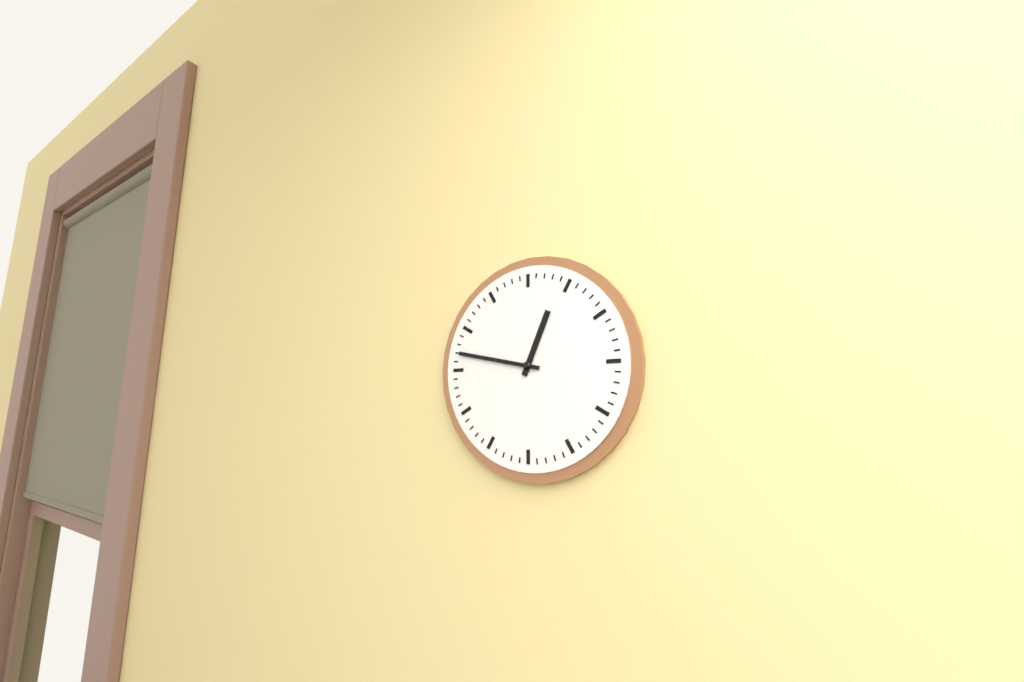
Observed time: 12:47
